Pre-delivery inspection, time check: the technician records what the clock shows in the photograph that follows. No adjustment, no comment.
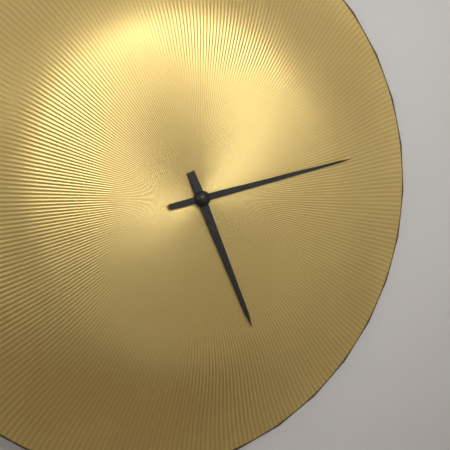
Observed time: 5:13
